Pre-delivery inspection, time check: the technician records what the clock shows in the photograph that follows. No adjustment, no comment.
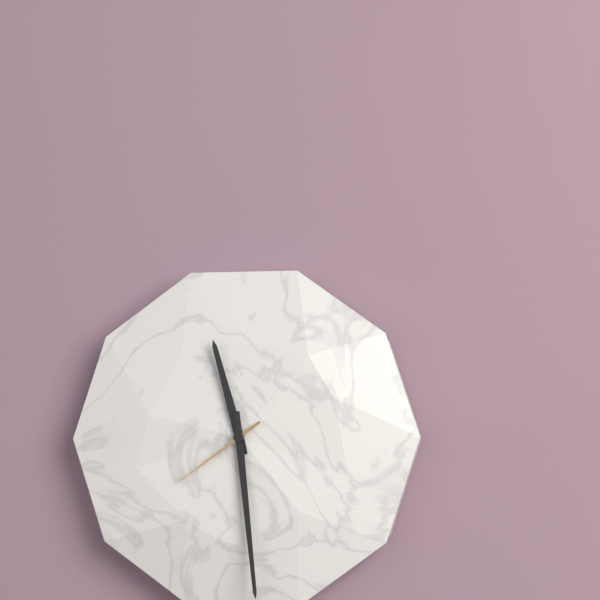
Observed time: 11:29:39
